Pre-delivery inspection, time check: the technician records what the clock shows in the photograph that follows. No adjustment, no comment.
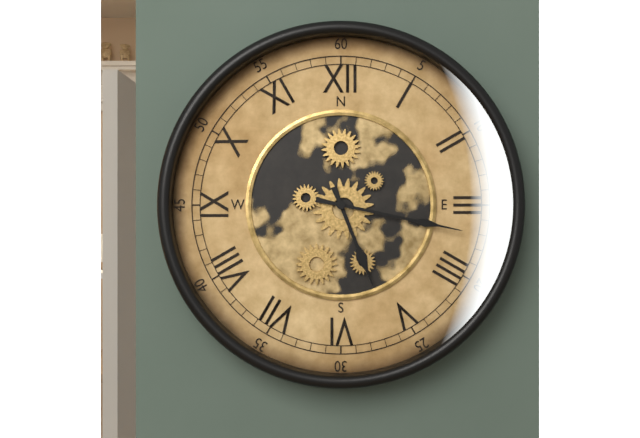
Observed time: 5:17
